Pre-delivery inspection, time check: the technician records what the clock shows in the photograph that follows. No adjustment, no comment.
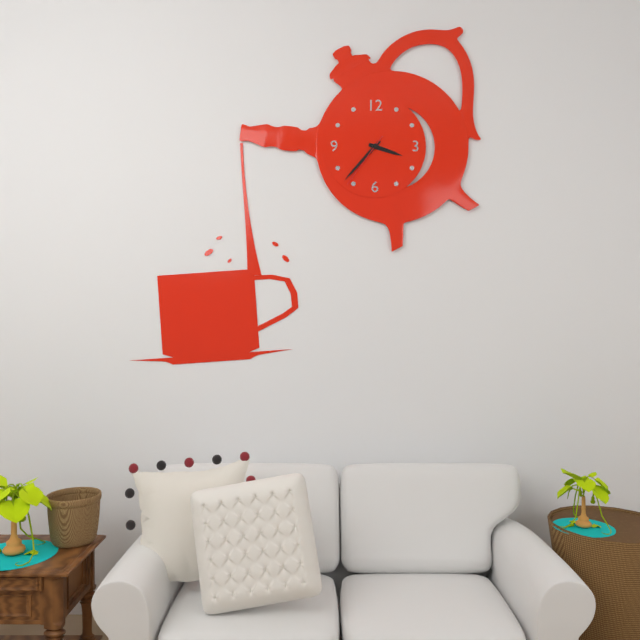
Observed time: 3:37:36
